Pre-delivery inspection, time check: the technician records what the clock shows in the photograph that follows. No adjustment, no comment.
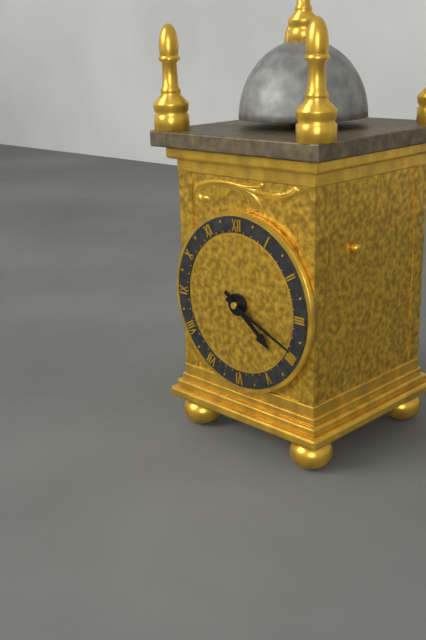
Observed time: 4:19
